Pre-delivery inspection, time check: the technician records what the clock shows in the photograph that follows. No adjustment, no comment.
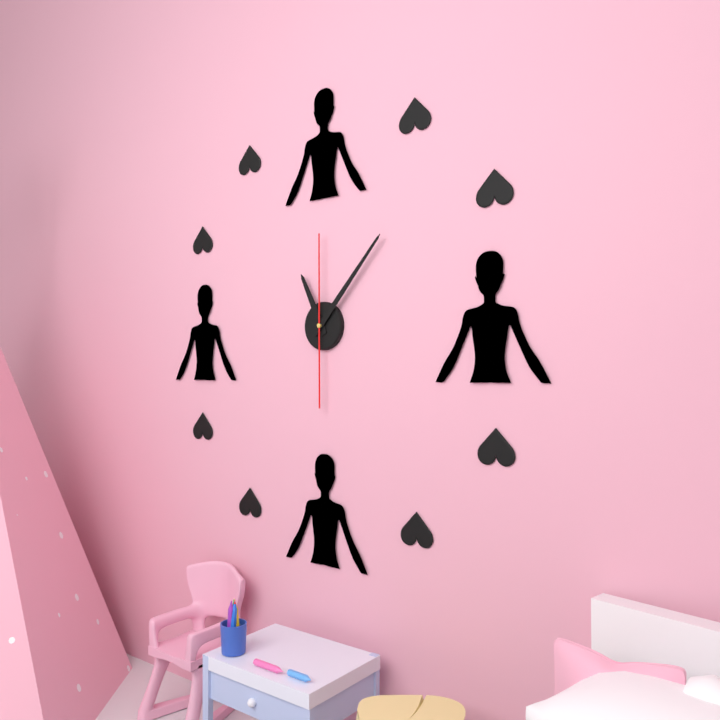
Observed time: 11:07:00
